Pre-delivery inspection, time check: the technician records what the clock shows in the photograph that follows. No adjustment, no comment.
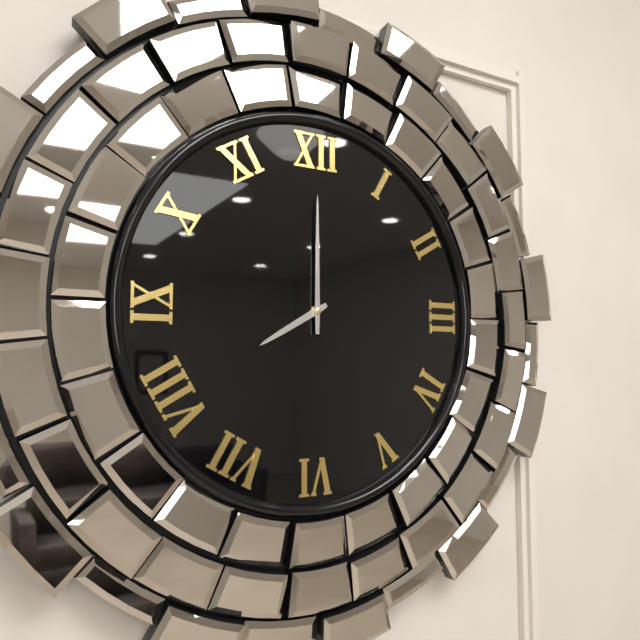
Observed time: 8:00
